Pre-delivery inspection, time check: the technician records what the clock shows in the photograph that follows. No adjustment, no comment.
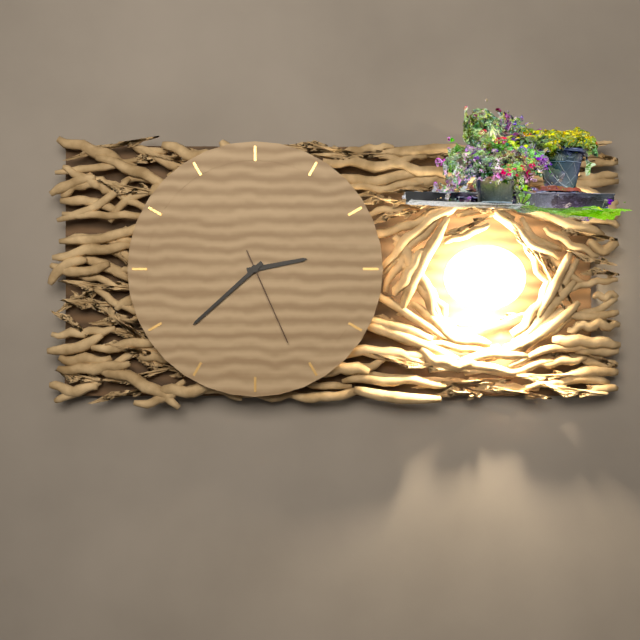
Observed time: 2:38:26
